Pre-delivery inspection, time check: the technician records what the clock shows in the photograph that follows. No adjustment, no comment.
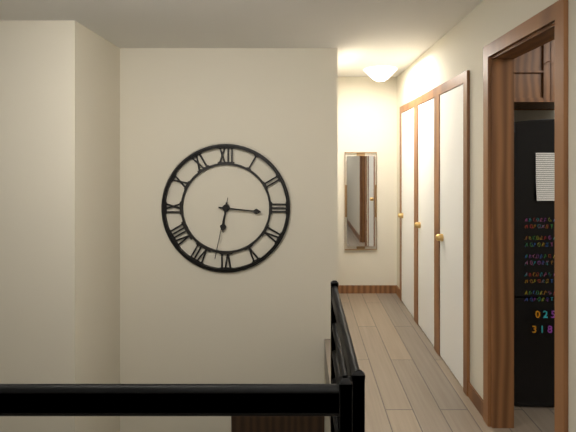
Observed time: 6:16:32
